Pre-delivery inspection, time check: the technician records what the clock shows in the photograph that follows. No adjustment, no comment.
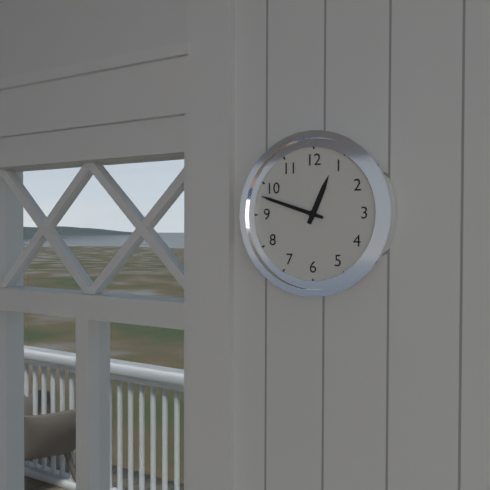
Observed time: 12:48
